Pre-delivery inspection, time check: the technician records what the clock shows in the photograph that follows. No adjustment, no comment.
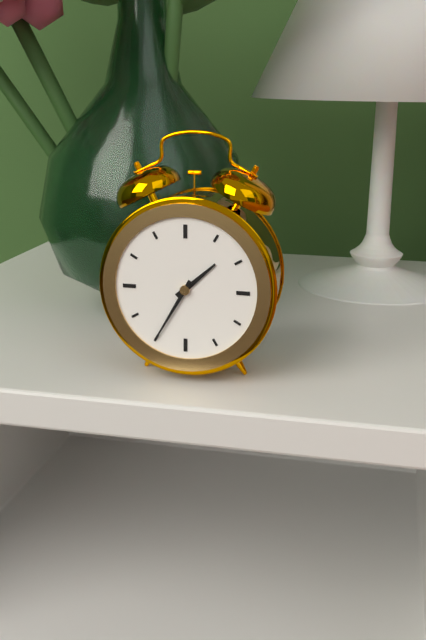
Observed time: 1:35
